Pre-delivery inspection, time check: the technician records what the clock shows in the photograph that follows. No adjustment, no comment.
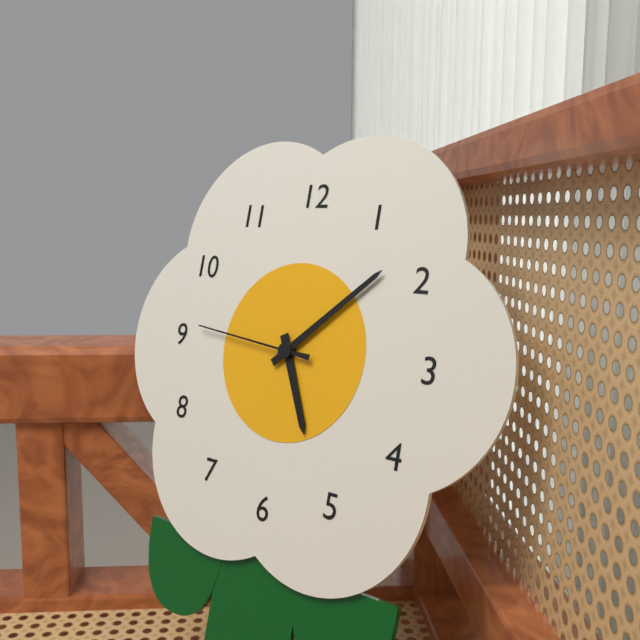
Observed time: 5:08:46
